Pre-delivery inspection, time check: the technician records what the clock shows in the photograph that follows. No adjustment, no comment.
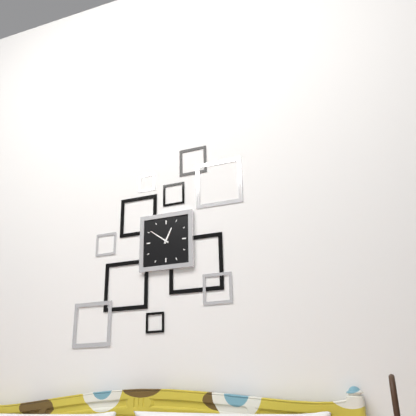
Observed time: 12:51
